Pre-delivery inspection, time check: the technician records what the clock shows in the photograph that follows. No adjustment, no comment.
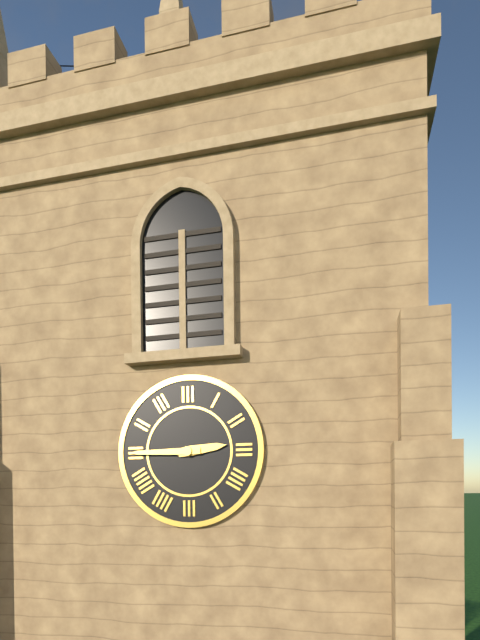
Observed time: 2:45
